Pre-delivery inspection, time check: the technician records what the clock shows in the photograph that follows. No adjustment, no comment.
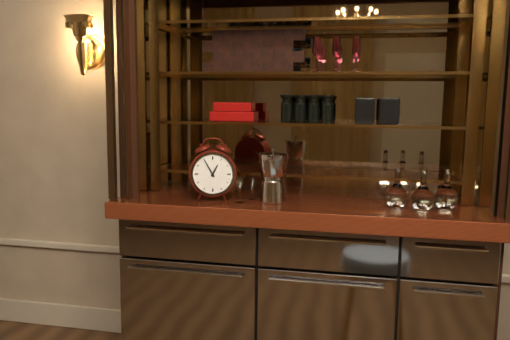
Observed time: 12:55
